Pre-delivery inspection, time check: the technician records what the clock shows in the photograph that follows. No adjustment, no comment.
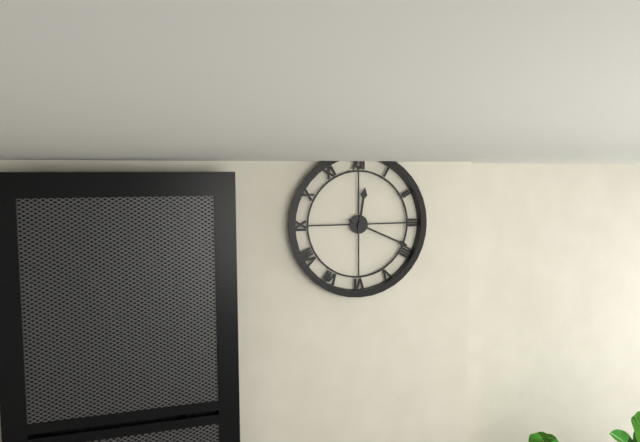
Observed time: 12:19
